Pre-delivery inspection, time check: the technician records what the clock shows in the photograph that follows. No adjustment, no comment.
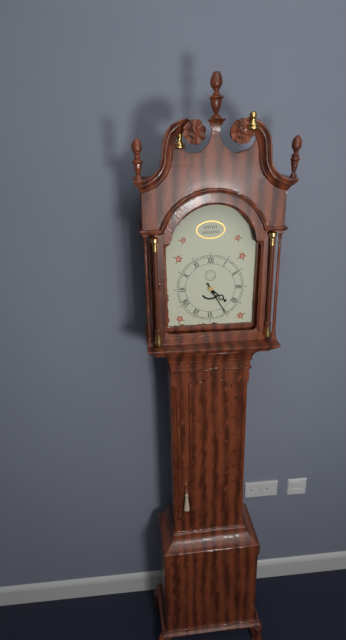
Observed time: 4:25
